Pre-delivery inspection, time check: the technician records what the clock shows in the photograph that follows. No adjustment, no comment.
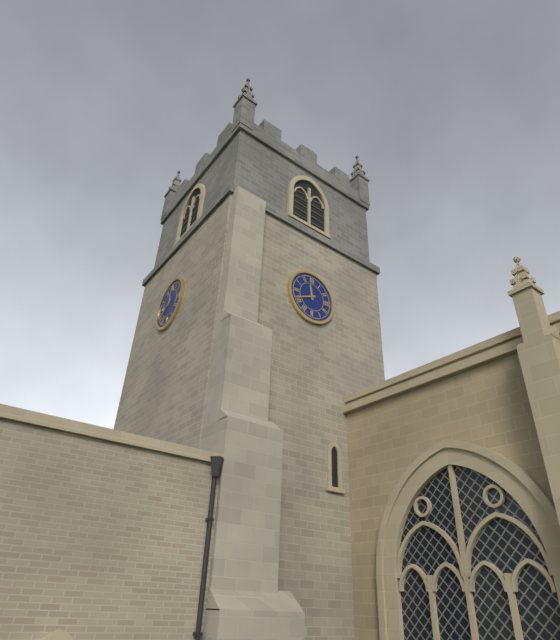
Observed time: 11:41
